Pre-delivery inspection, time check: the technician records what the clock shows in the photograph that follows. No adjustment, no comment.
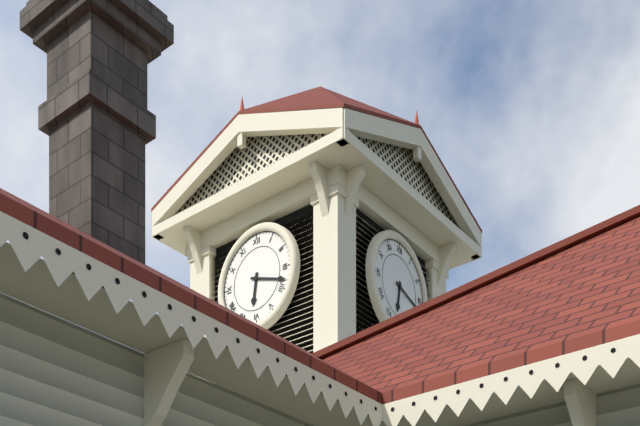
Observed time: 6:18
